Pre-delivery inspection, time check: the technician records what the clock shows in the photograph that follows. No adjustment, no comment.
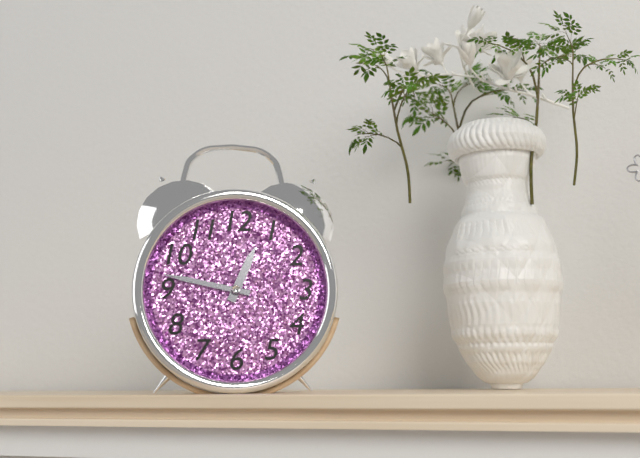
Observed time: 12:47
